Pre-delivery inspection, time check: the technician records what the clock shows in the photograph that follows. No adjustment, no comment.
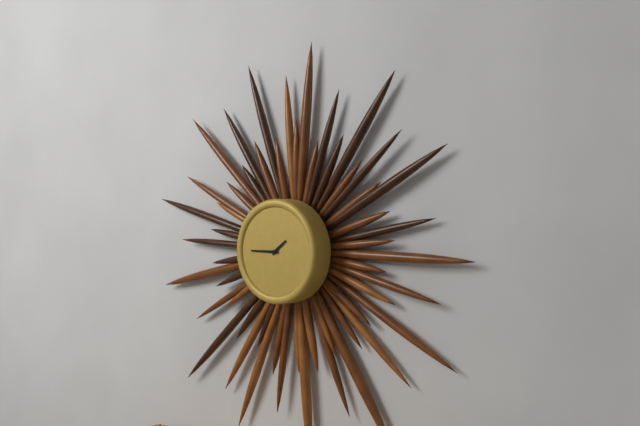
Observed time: 1:45
